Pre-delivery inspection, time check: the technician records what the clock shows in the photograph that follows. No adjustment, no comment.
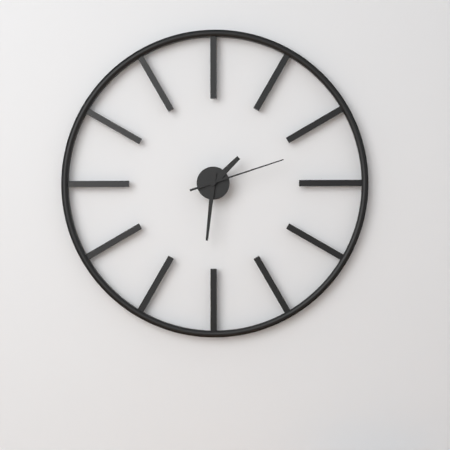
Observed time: 1:31:12
